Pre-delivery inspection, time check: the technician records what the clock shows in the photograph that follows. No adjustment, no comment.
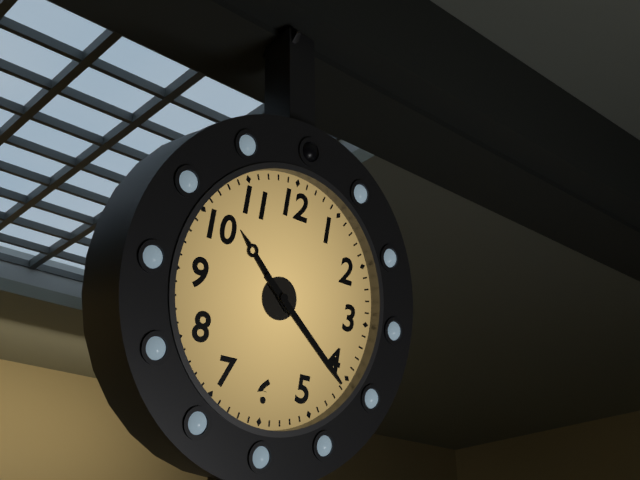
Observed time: 10:21
